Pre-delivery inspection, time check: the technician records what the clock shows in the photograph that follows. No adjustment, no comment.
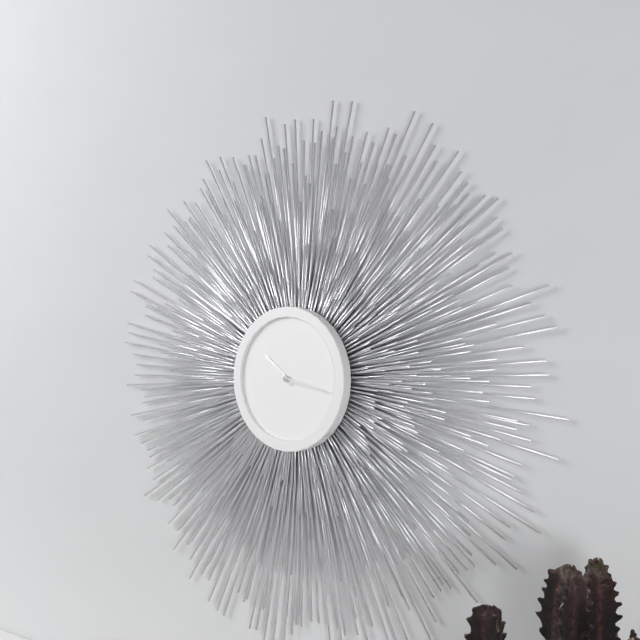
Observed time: 10:17
